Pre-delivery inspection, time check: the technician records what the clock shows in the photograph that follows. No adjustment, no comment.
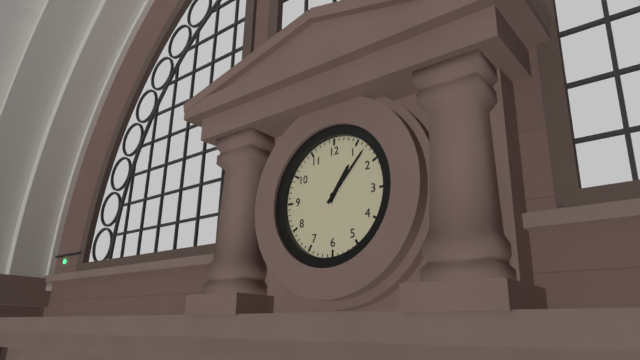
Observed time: 1:07
